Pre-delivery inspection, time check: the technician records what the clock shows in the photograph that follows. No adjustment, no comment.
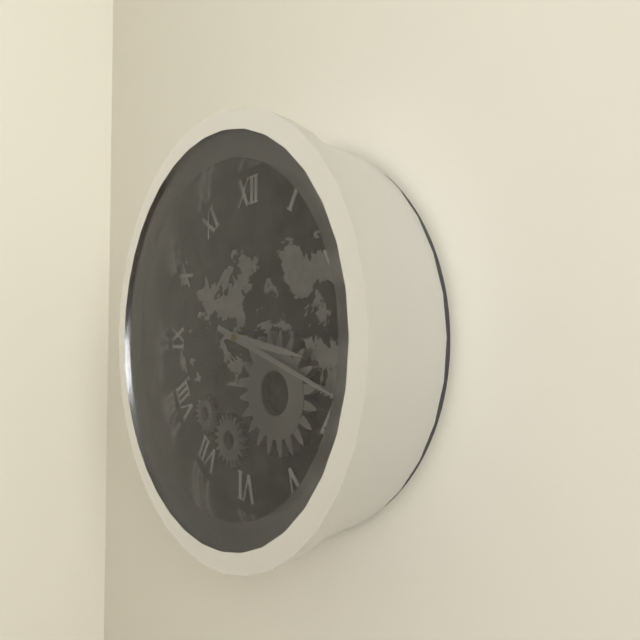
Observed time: 3:18
